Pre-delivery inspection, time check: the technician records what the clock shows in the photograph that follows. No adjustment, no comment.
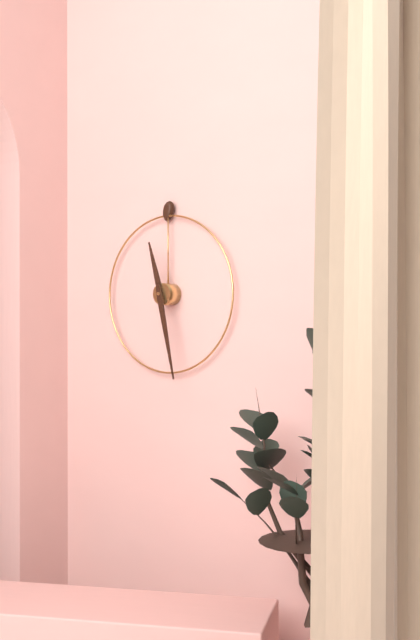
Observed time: 11:28
